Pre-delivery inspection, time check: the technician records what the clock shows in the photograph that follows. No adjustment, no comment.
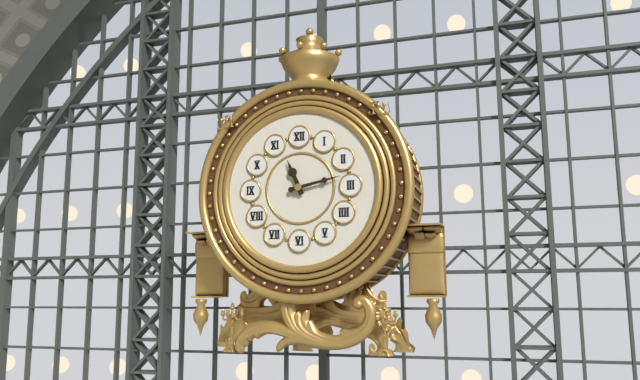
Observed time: 11:13
